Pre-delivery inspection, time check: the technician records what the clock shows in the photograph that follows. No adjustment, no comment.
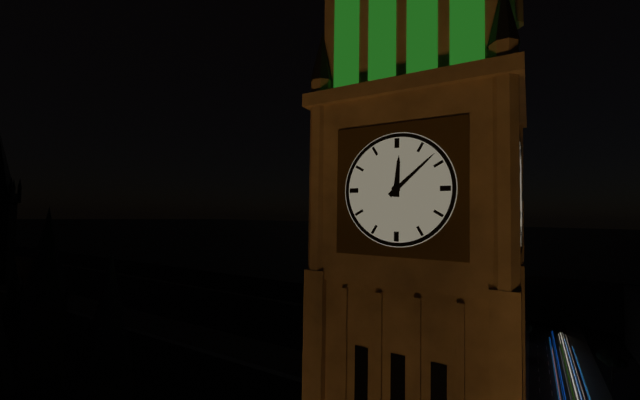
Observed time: 12:08
